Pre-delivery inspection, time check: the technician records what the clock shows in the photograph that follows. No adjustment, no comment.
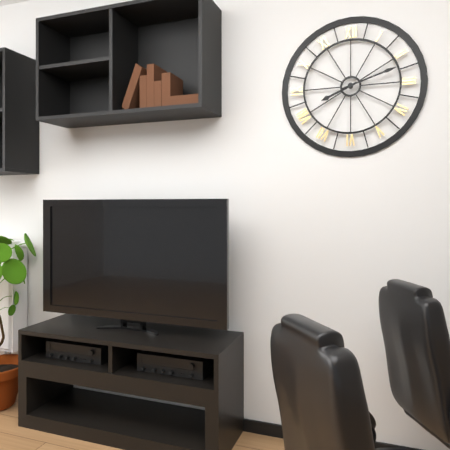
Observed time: 8:12
